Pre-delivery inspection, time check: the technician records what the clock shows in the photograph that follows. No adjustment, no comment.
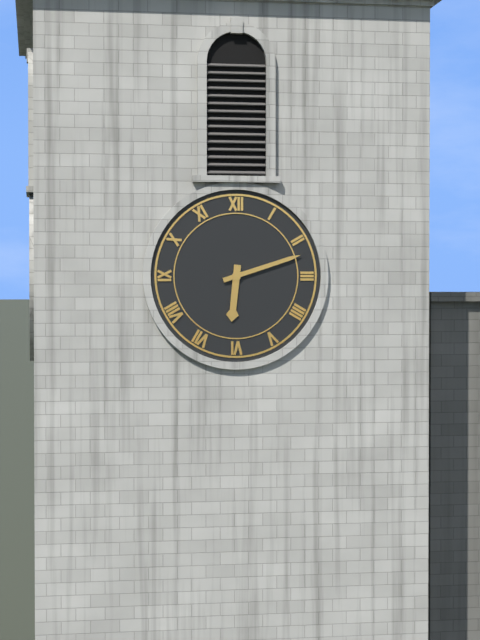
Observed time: 6:12
